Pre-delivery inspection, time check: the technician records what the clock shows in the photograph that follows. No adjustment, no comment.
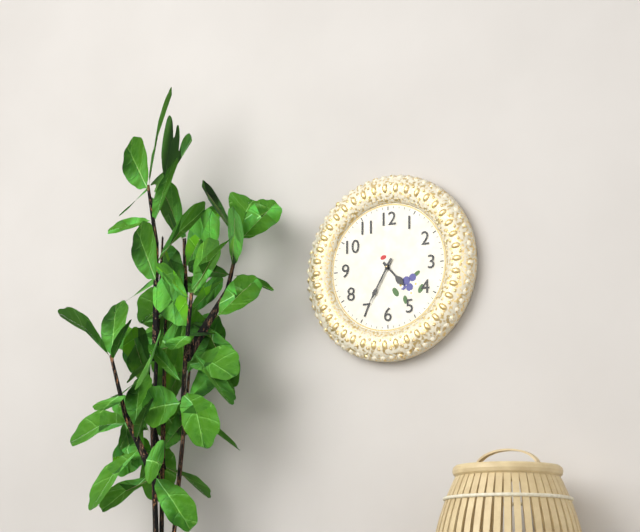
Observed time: 4:35
